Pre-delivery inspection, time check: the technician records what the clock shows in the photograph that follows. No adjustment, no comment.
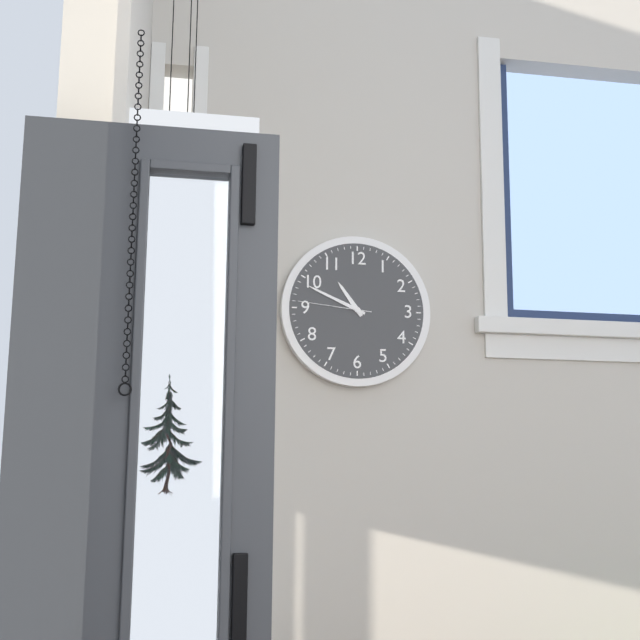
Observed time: 10:49:46
